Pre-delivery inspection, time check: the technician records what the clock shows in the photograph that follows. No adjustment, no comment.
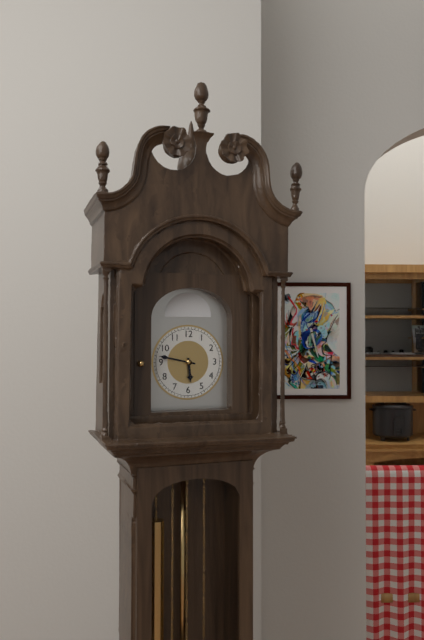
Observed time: 5:47
